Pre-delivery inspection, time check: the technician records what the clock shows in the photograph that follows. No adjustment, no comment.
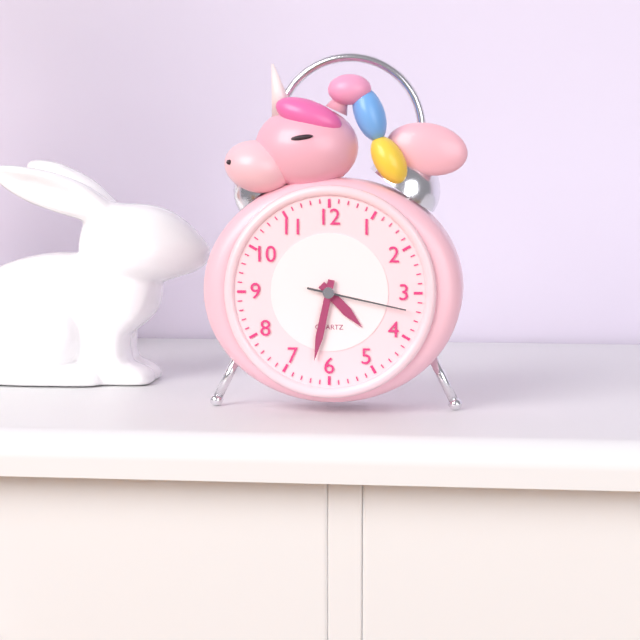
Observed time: 4:32:17
